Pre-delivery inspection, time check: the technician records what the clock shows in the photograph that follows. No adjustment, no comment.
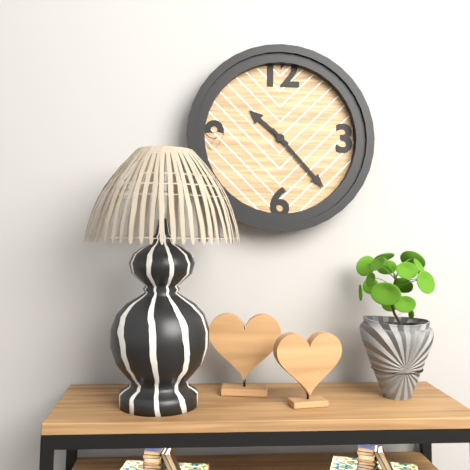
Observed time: 10:23
